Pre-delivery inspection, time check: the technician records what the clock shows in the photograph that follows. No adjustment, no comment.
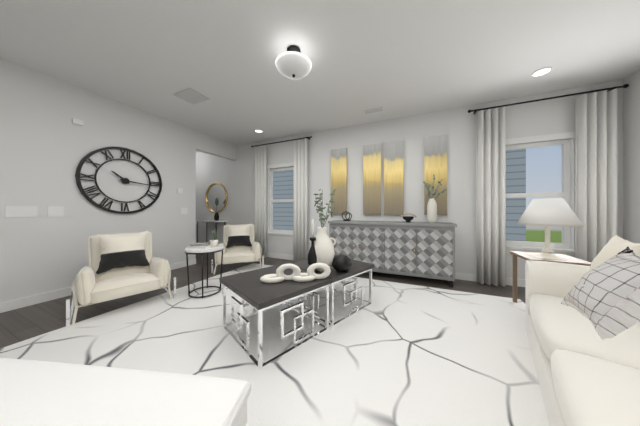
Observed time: 10:16
